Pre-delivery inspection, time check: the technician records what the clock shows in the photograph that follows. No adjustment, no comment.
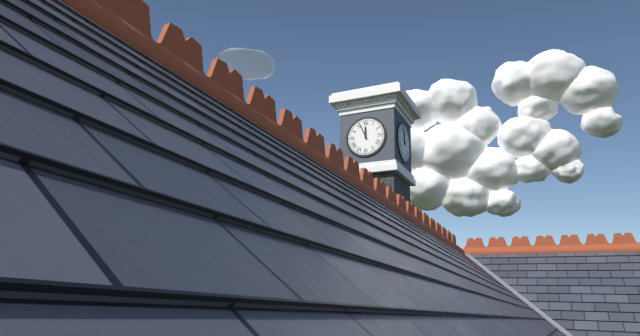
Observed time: 11:56
